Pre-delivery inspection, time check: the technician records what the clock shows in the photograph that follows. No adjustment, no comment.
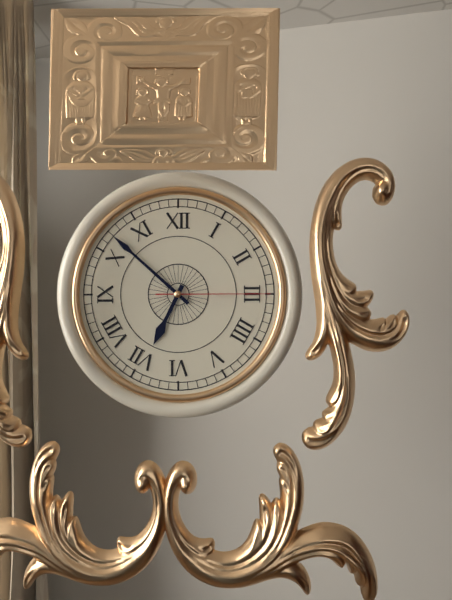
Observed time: 6:52:15
